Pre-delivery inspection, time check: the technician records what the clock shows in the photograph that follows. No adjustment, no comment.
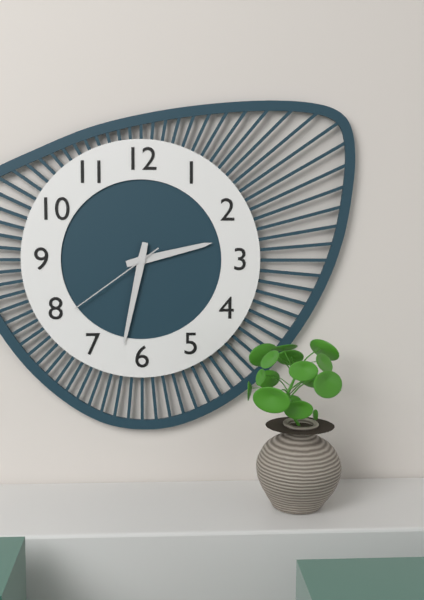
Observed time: 2:32:39
